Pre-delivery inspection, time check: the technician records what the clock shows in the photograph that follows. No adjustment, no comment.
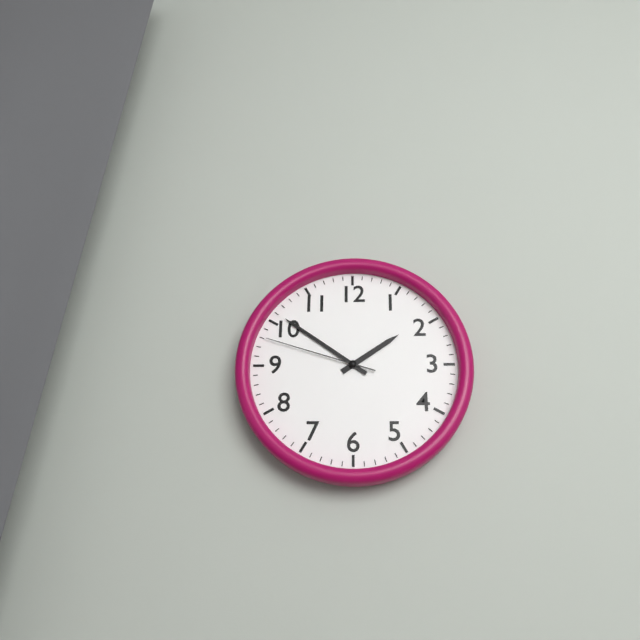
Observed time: 1:51:48
